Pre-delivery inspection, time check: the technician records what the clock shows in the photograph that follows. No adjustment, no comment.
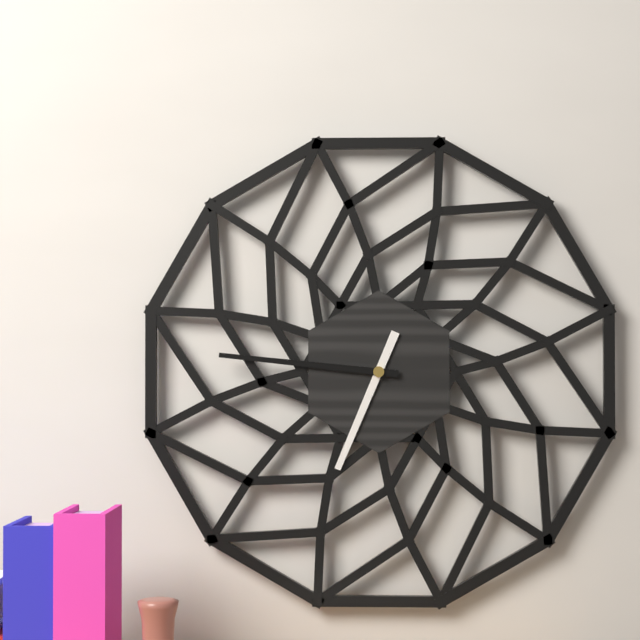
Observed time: 6:46
